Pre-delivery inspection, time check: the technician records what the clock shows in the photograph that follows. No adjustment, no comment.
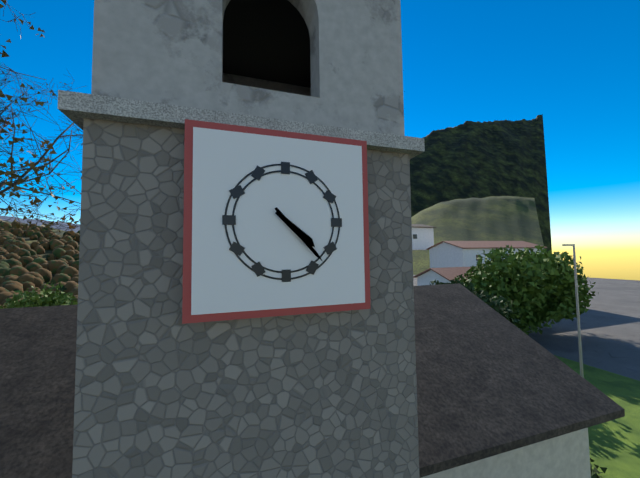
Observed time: 4:23
